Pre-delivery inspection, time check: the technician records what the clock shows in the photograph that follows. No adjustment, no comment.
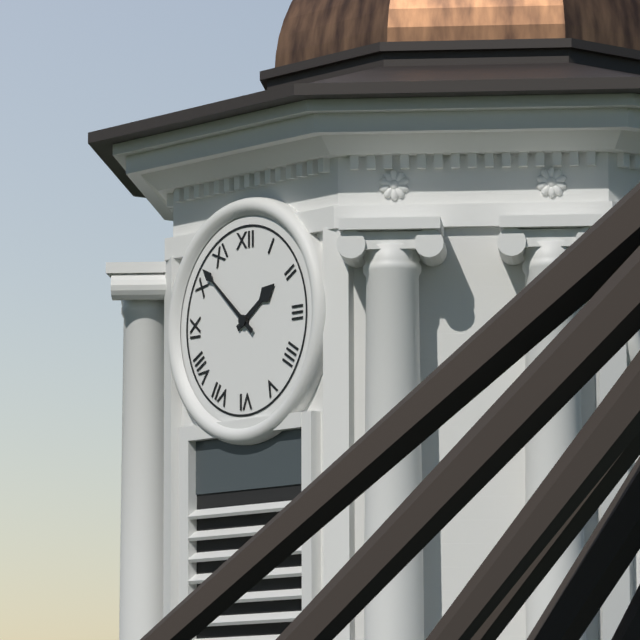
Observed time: 1:52
